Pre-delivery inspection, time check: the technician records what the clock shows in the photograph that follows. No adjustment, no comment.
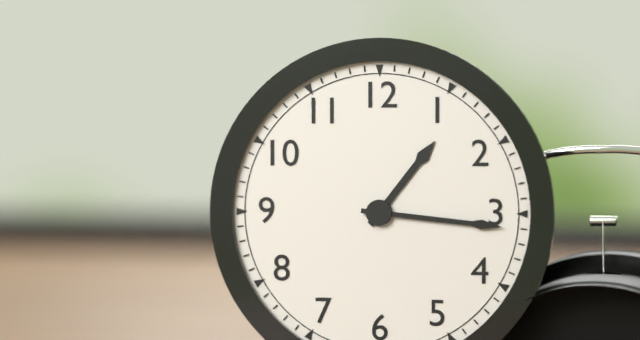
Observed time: 1:16
